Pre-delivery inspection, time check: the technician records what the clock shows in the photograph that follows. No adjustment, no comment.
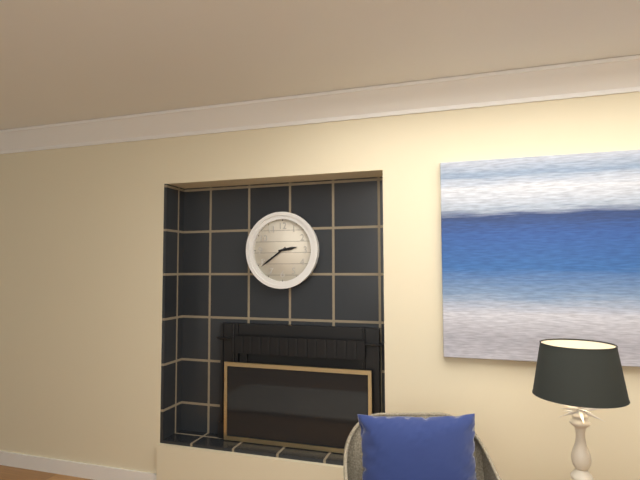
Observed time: 2:39
